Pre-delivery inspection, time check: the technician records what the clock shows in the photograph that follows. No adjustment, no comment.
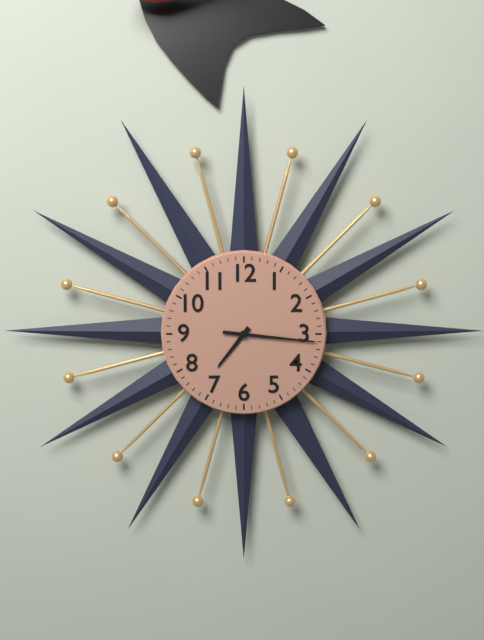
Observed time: 7:16
